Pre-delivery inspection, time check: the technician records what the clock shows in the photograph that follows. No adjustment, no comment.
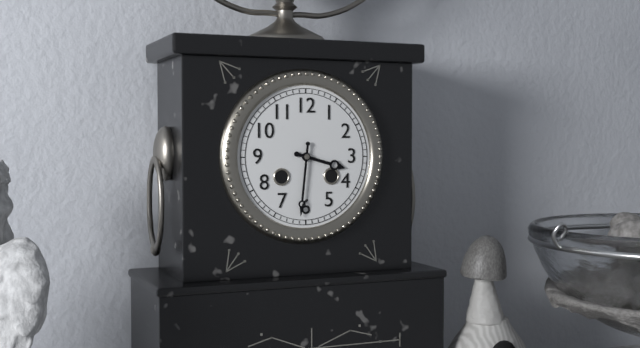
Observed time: 3:31
